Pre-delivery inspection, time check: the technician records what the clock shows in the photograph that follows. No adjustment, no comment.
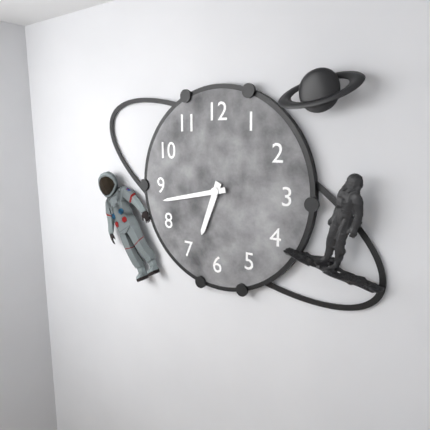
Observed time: 6:43
